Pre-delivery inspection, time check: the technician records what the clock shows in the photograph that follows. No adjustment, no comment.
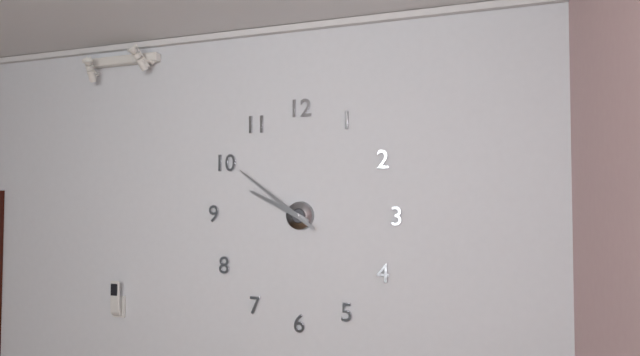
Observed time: 9:51
